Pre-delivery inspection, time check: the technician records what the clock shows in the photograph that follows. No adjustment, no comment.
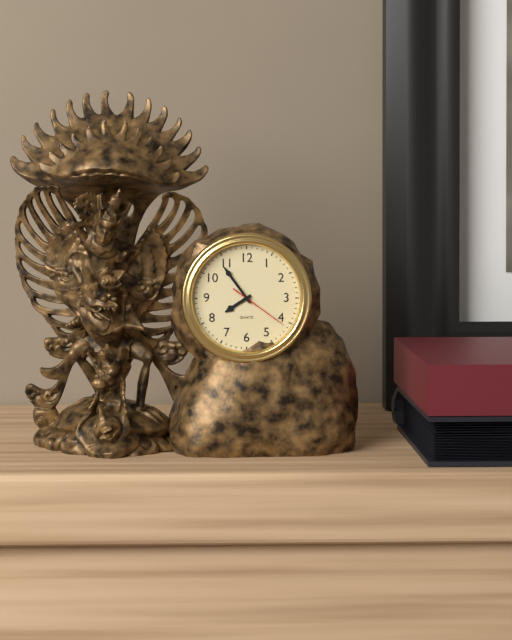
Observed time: 7:54:21
